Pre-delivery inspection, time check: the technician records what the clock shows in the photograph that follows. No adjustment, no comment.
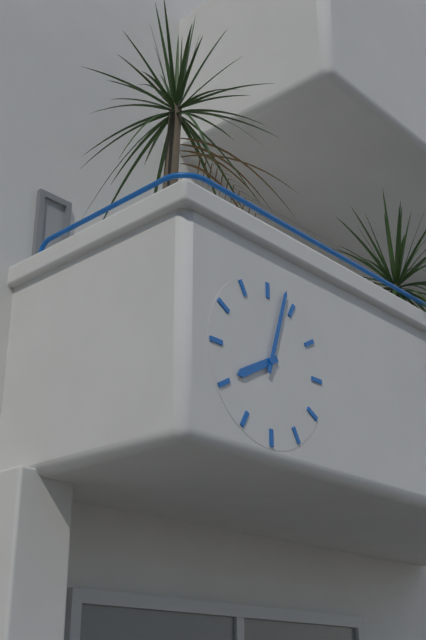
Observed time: 8:03
